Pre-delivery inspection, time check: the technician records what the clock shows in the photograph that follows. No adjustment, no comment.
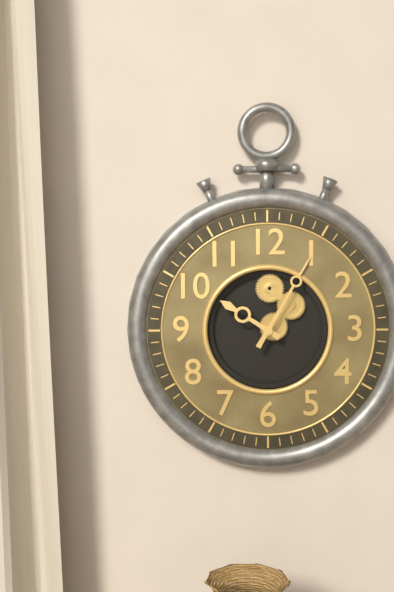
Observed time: 10:05
